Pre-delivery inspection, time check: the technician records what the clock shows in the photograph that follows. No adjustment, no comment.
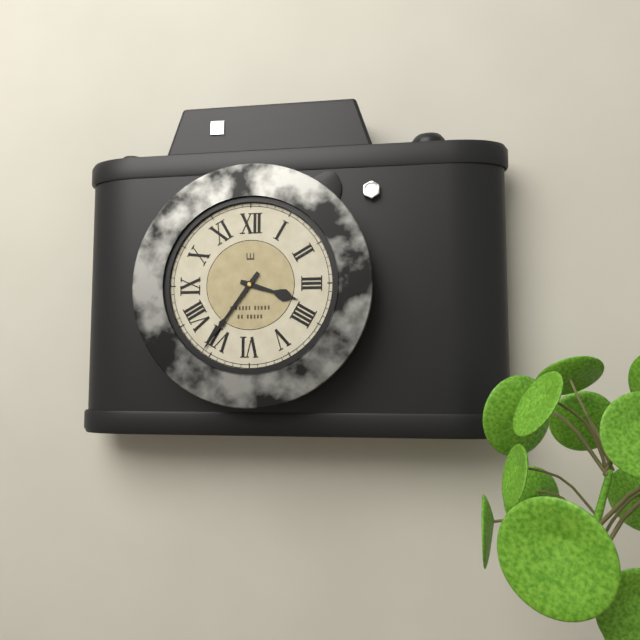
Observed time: 3:36
